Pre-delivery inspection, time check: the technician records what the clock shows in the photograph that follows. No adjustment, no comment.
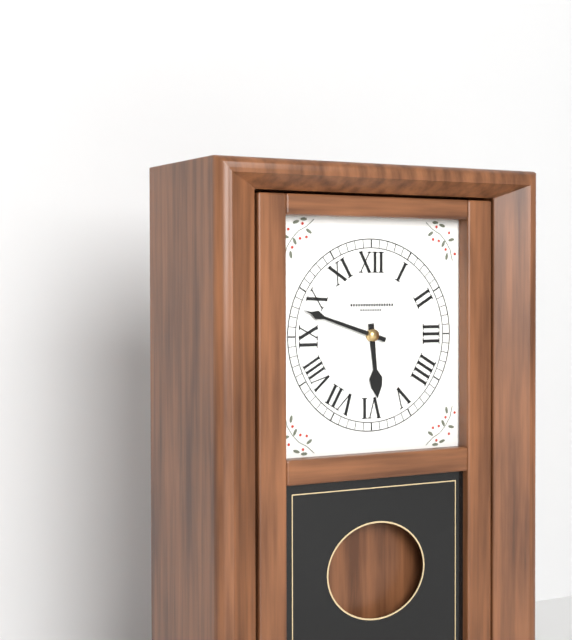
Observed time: 5:48
